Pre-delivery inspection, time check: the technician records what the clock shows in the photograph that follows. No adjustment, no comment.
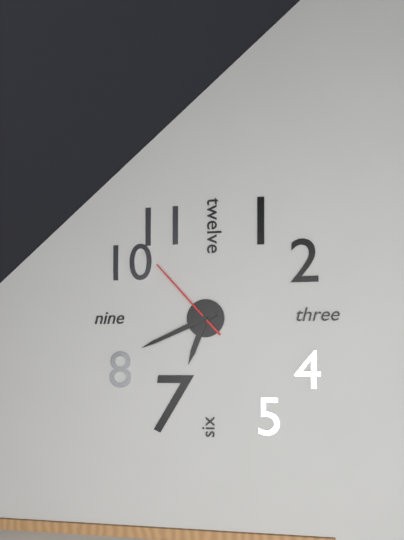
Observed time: 6:41:53
